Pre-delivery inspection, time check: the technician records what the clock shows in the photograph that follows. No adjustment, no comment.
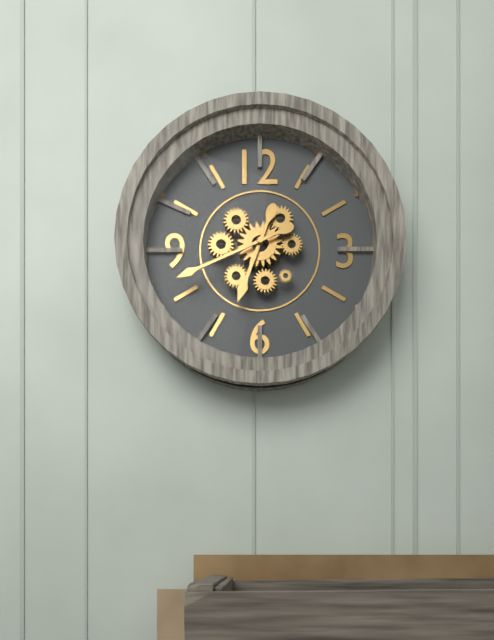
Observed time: 6:41
